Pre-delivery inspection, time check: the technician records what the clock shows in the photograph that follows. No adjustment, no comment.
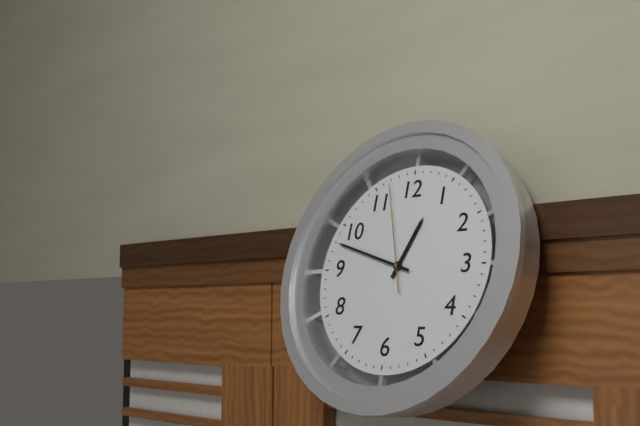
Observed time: 12:48:57
